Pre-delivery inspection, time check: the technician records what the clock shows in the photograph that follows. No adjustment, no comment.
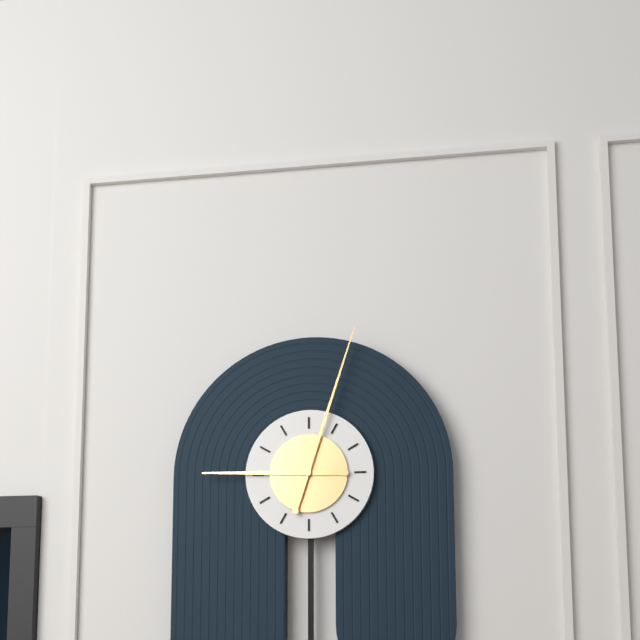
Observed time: 9:03
